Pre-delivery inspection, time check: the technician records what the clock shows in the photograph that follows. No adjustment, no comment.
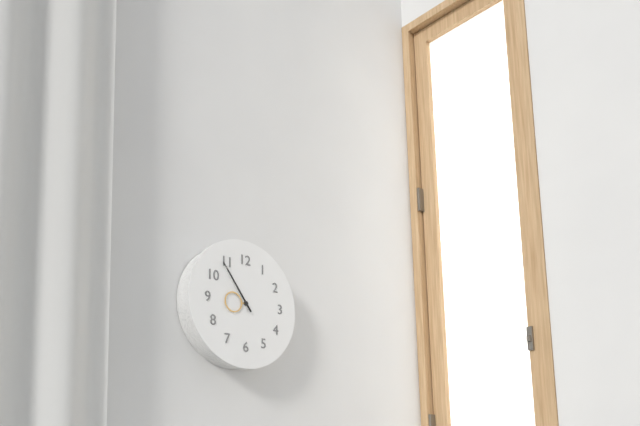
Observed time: 8:54
